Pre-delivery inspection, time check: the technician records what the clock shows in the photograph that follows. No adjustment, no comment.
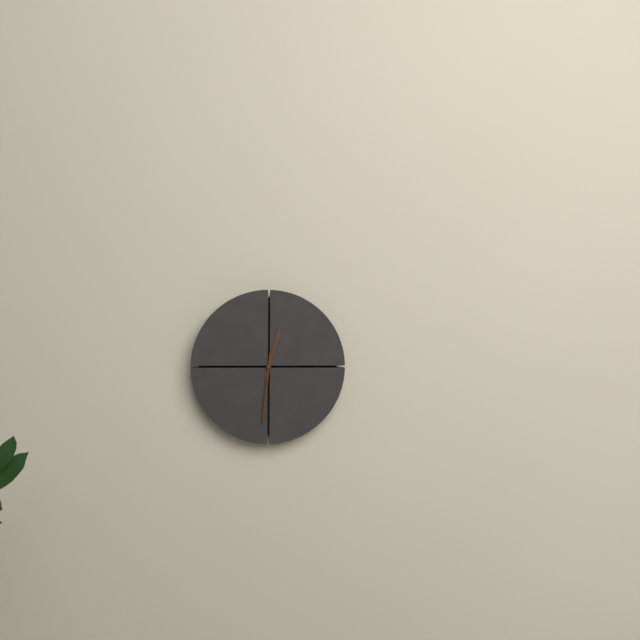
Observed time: 12:31
